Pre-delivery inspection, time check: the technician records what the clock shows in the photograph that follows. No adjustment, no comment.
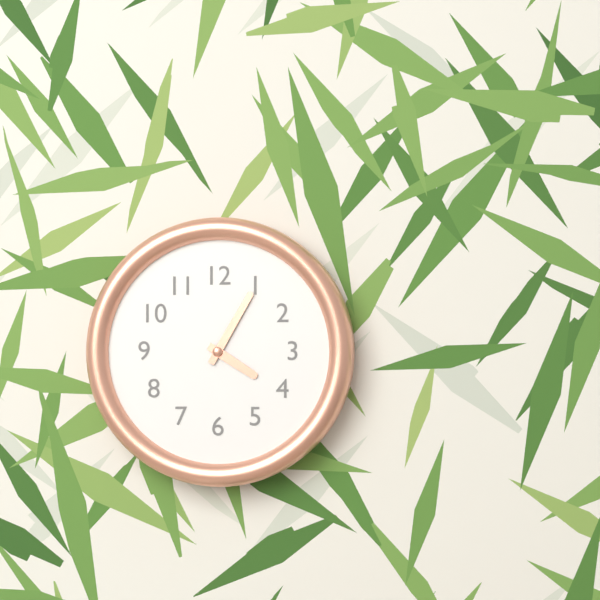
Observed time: 4:05
